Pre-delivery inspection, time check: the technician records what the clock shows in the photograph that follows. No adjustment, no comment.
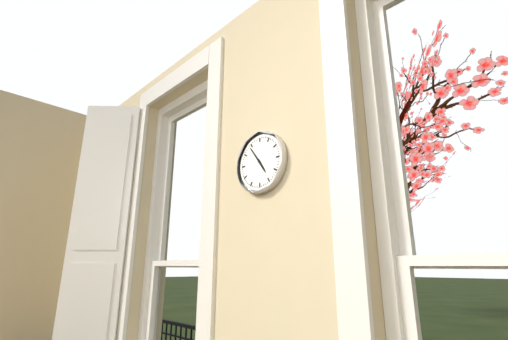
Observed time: 4:54
